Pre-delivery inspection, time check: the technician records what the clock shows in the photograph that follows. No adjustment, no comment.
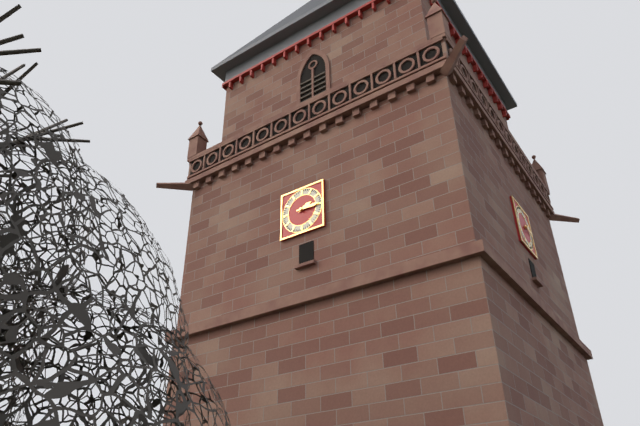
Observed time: 2:15
